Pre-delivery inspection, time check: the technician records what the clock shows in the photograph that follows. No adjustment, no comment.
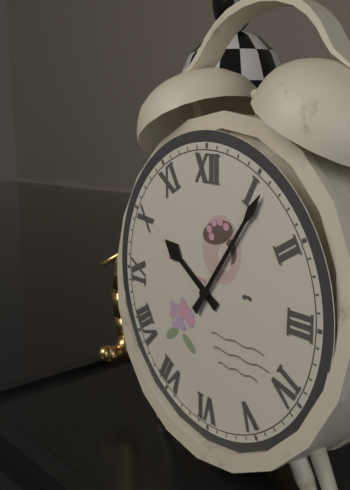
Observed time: 10:06
